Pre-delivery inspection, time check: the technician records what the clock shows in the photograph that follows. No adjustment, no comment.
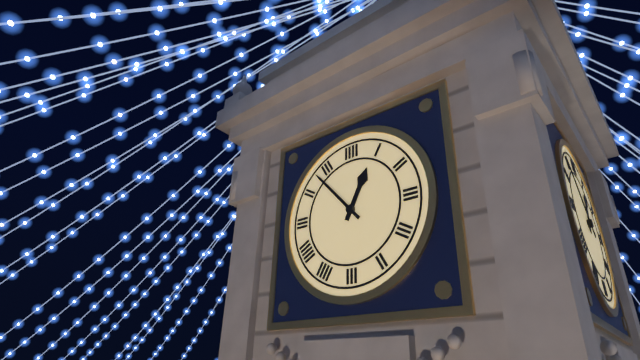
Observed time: 12:53
